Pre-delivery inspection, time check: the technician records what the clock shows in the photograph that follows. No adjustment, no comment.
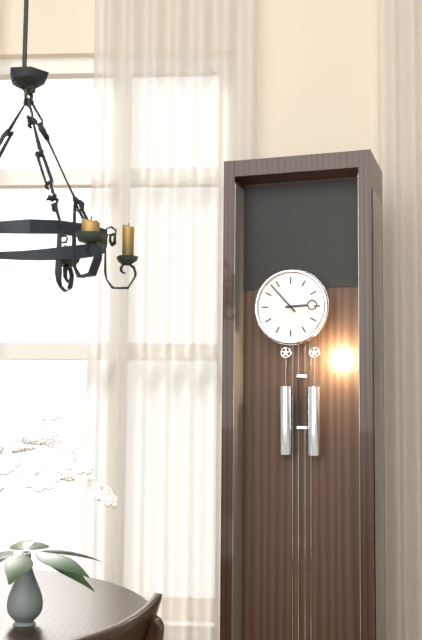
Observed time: 2:53
